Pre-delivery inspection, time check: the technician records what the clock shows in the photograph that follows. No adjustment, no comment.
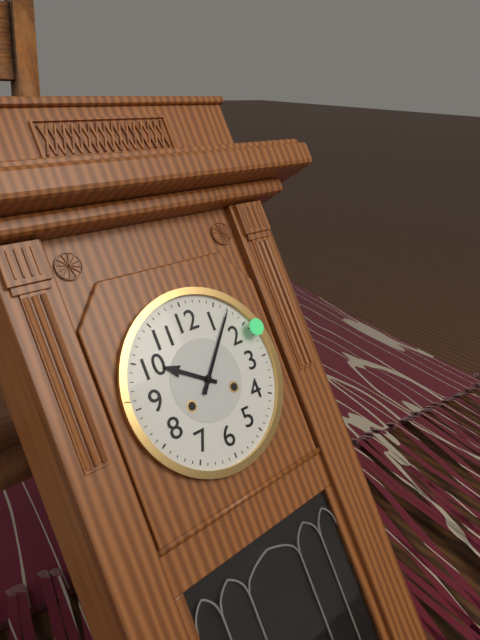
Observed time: 10:07
